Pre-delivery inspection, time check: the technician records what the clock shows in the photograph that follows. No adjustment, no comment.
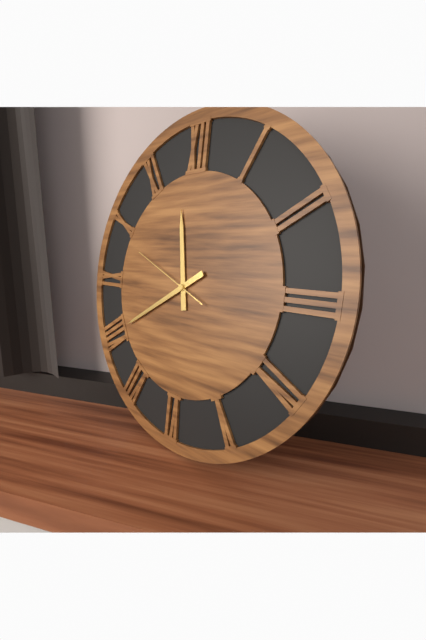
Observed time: 11:40:49
